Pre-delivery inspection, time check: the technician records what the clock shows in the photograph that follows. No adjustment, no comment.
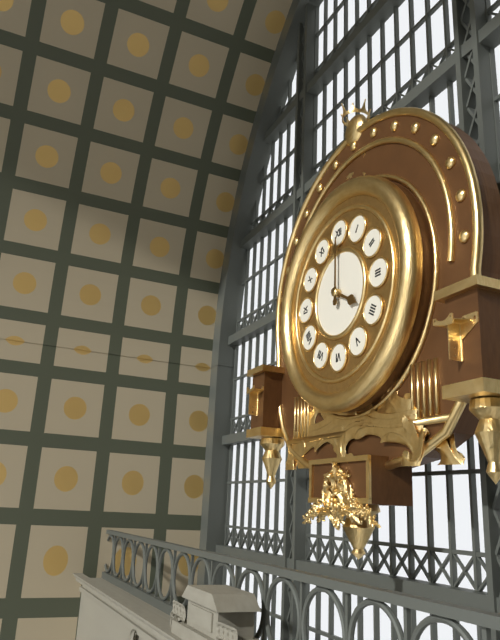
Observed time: 4:00
